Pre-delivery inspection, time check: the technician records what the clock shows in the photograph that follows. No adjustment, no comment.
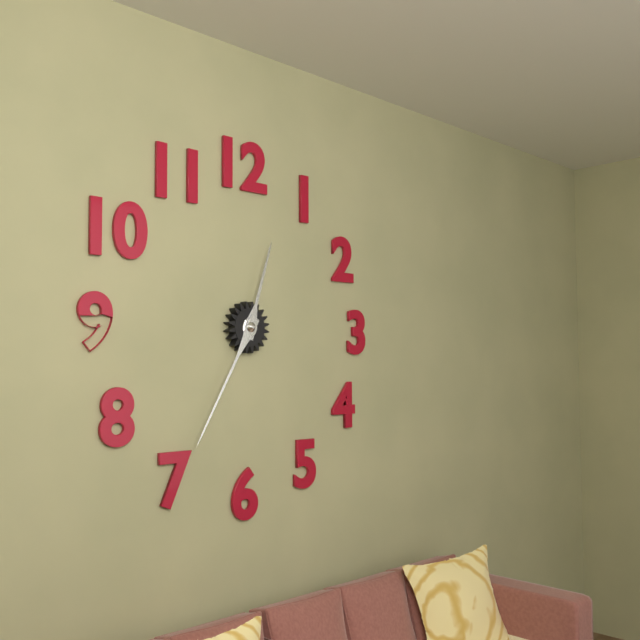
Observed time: 12:35
